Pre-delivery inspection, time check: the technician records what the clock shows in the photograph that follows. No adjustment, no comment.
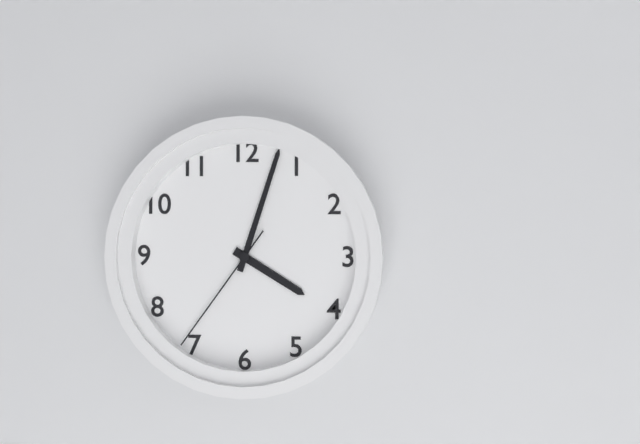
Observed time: 4:03:36
